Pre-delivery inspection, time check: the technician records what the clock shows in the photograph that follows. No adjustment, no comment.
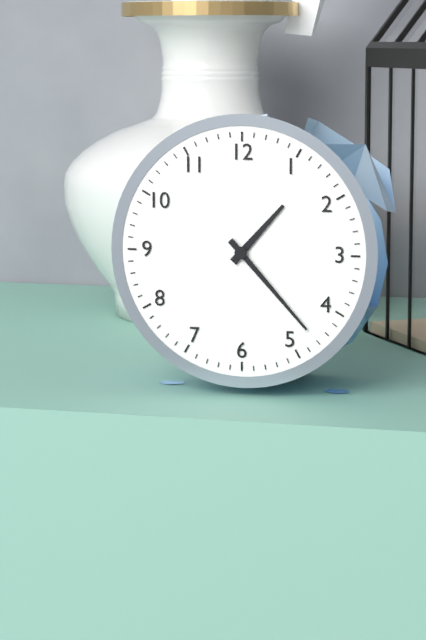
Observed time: 1:23
